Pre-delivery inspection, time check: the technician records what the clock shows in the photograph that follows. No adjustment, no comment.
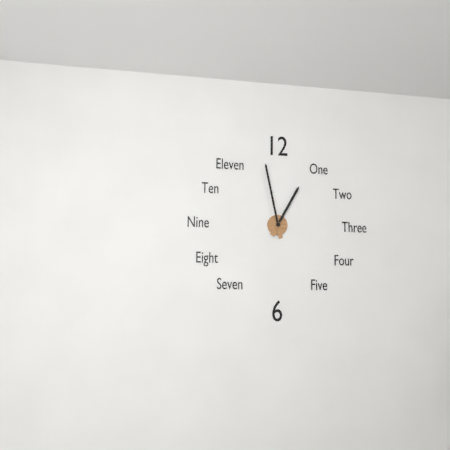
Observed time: 12:58
